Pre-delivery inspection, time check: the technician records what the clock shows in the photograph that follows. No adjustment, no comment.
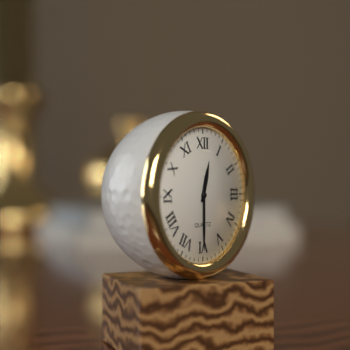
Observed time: 12:30
